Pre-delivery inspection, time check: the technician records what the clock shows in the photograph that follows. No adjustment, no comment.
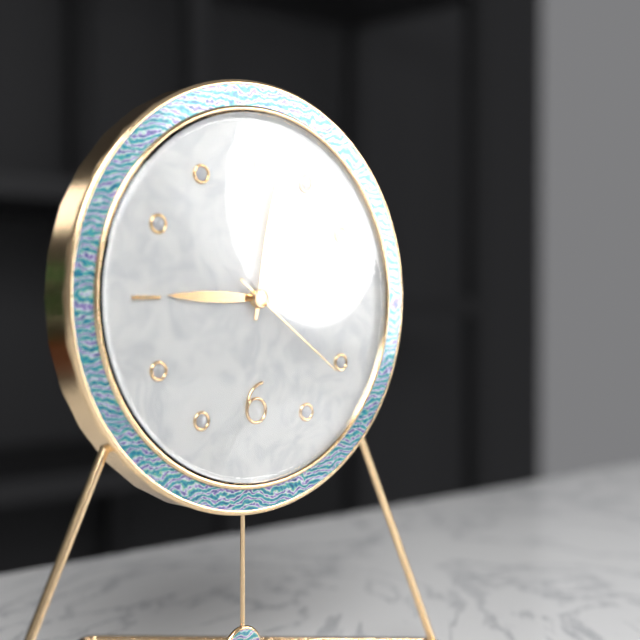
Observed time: 9:02:21
